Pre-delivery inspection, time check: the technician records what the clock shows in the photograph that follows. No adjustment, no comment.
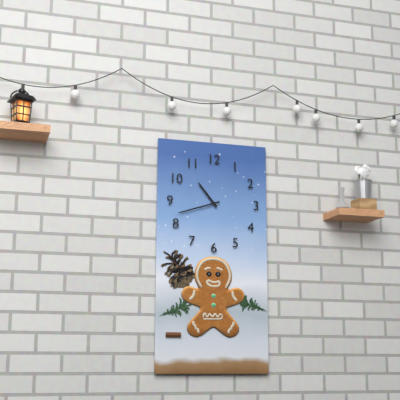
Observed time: 10:42
